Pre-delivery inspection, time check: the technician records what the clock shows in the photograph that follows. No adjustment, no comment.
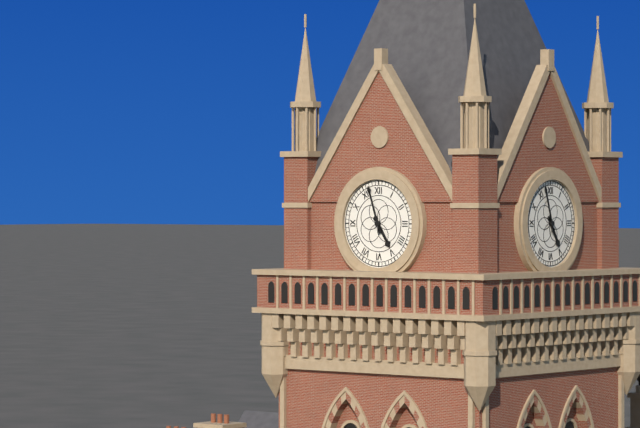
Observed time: 4:57
